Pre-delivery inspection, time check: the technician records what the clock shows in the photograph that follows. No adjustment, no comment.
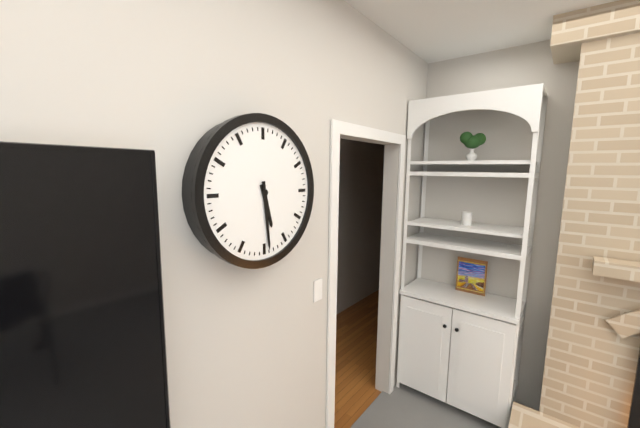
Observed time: 5:29
